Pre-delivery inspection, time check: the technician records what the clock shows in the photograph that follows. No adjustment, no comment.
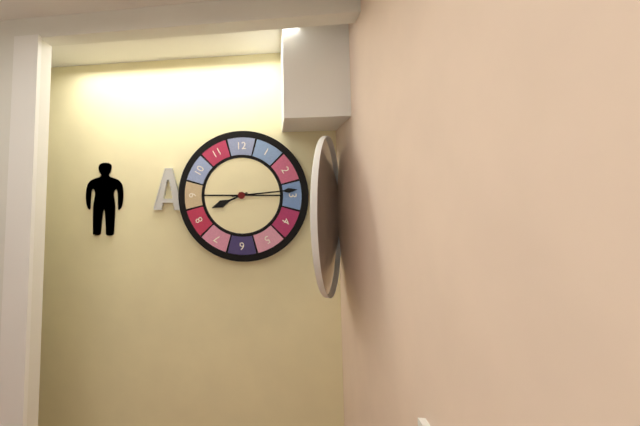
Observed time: 8:14
